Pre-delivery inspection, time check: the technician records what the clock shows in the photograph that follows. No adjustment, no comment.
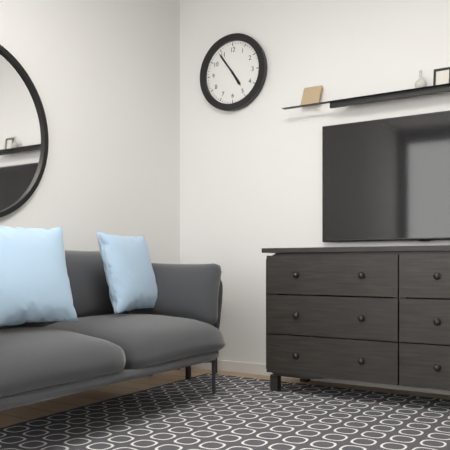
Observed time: 4:54
